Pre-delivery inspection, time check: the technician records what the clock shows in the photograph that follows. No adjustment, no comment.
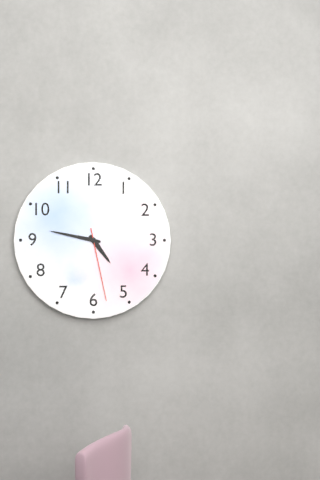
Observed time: 4:47:28
